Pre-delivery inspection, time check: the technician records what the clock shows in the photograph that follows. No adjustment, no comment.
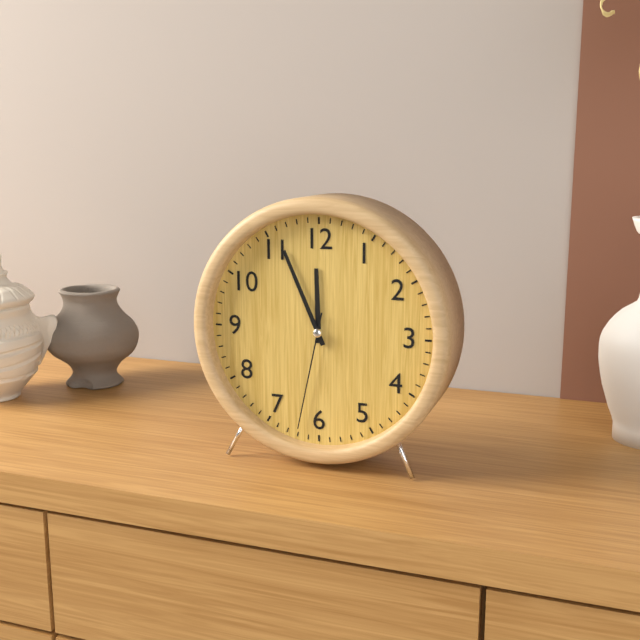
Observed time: 11:56:32
